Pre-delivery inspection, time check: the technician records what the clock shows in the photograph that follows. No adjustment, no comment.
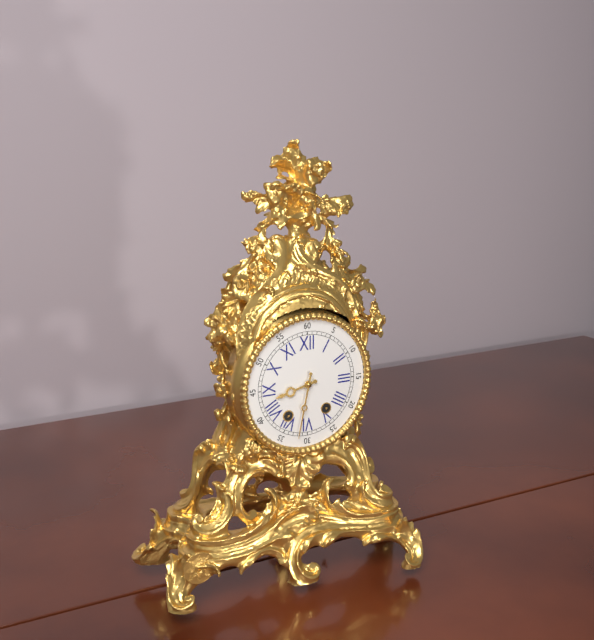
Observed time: 8:32
